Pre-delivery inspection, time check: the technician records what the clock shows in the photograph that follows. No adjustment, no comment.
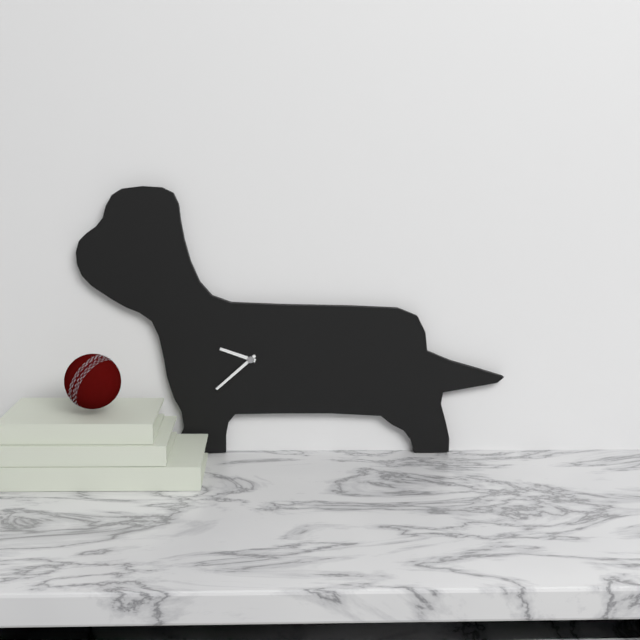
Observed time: 9:38
